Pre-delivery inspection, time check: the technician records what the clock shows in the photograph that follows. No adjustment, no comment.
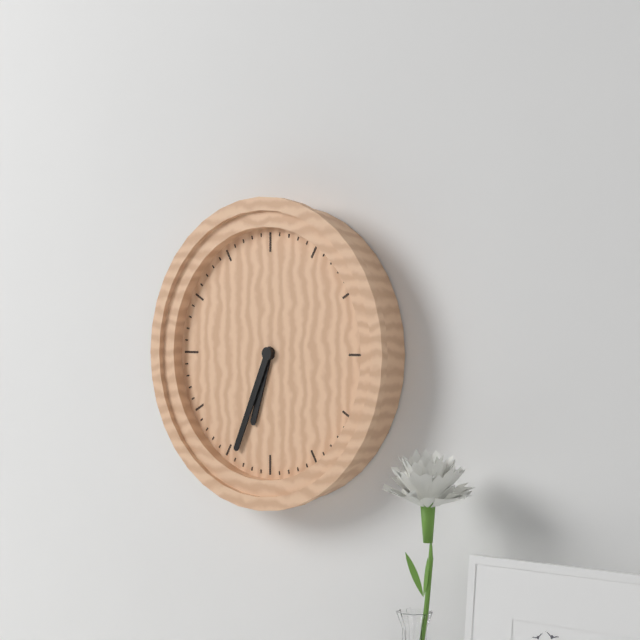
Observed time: 6:34
